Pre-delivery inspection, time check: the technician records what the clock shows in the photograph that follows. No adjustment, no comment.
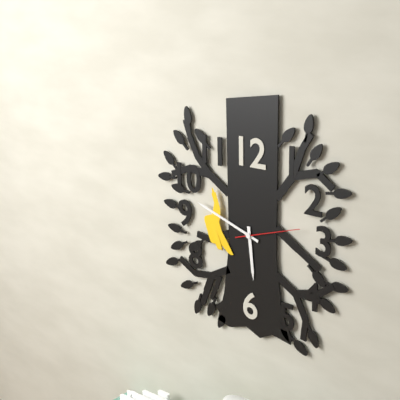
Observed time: 5:48:12
